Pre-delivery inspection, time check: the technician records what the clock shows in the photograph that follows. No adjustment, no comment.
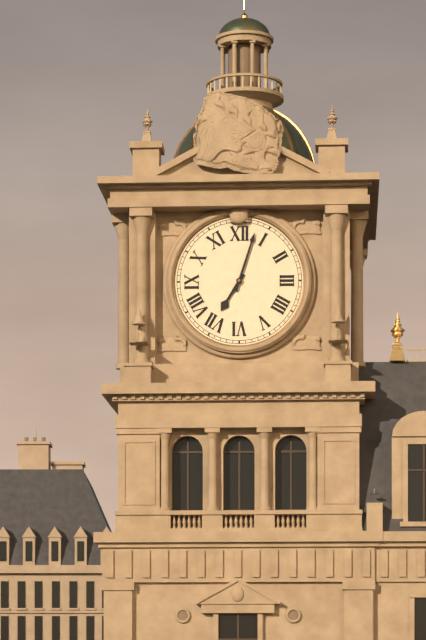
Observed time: 7:03
